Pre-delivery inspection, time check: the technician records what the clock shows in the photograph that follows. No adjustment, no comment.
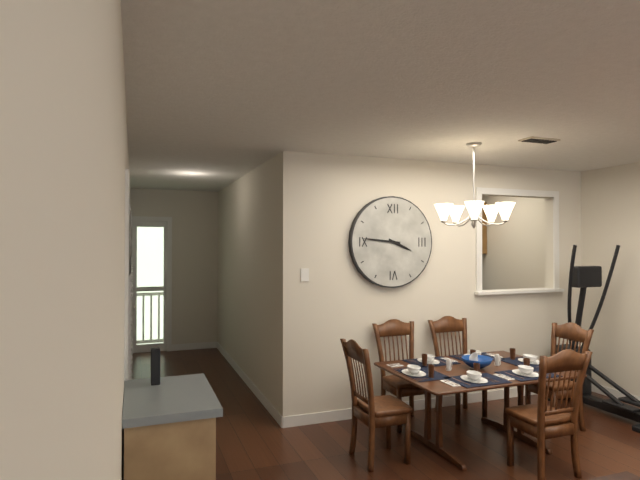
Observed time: 3:46
